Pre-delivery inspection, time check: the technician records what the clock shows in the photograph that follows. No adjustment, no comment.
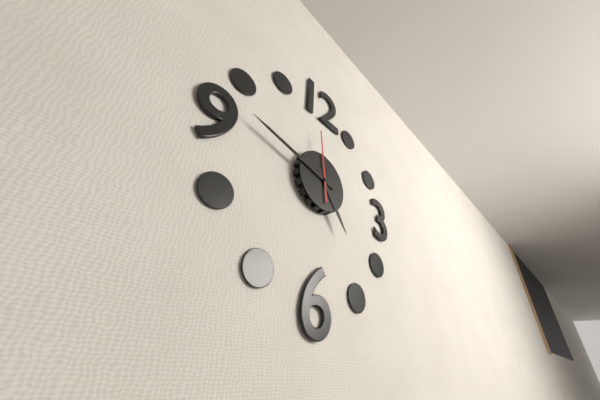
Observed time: 4:47:59
